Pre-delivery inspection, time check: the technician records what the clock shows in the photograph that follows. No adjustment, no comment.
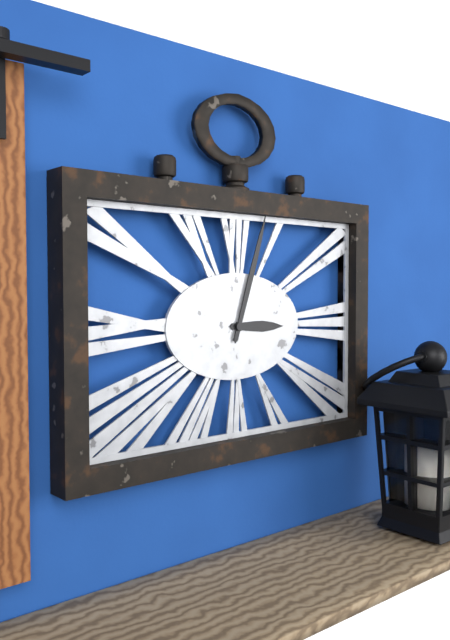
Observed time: 3:03
